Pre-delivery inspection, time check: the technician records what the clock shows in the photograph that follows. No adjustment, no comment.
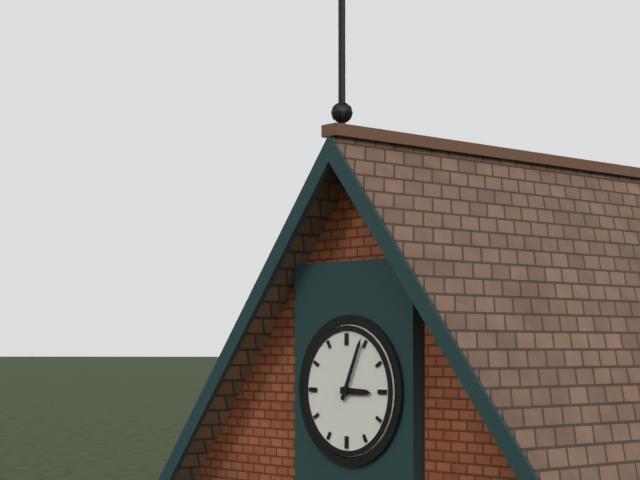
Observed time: 3:04
